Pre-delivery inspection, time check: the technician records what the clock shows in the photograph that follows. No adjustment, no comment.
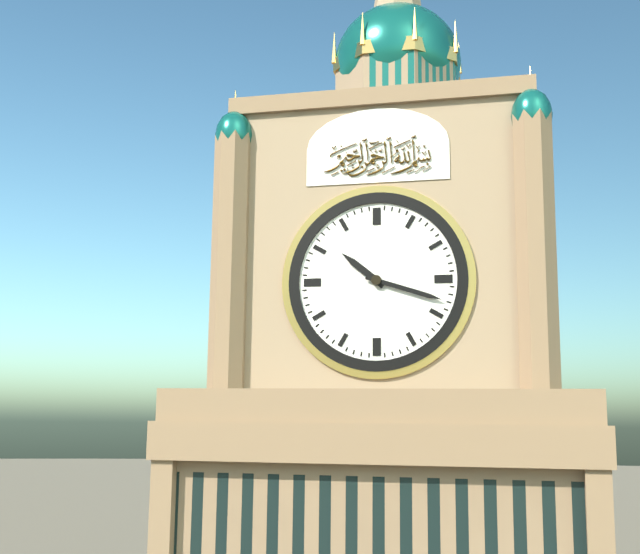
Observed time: 10:18
